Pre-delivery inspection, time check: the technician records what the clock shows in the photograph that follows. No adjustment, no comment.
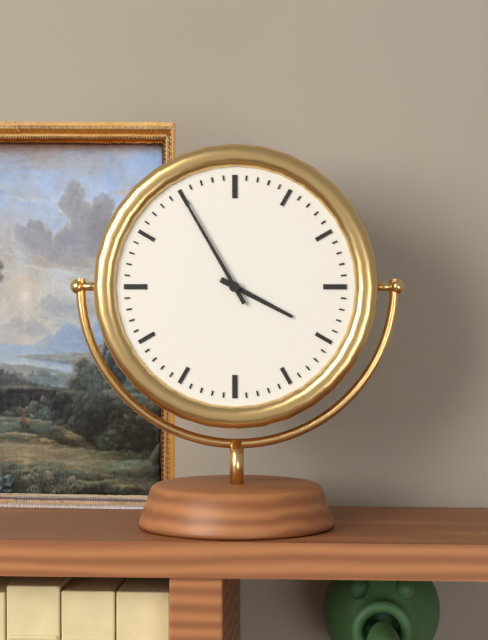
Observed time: 3:55
